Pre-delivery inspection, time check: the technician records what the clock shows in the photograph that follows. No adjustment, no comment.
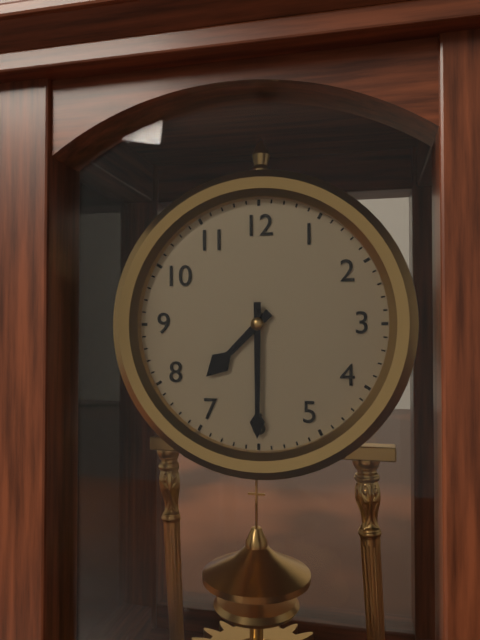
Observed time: 7:30
